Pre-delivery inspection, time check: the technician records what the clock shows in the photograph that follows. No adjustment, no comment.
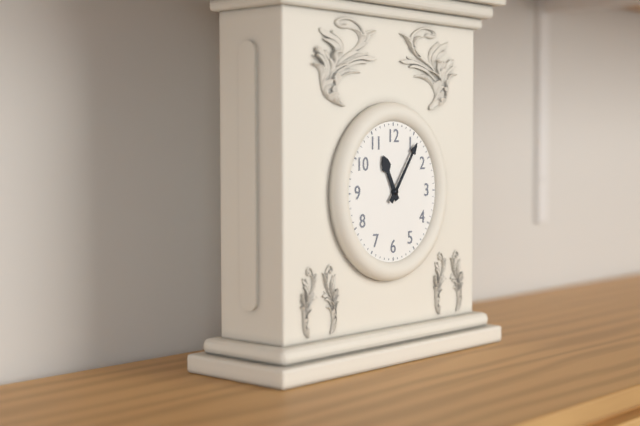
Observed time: 11:06
